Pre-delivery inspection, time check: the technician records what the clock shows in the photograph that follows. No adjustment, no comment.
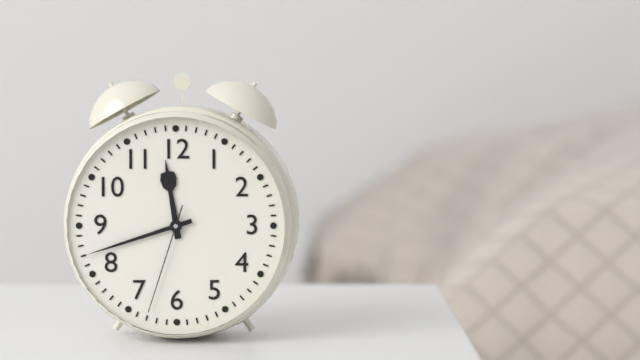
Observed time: 11:42:33
